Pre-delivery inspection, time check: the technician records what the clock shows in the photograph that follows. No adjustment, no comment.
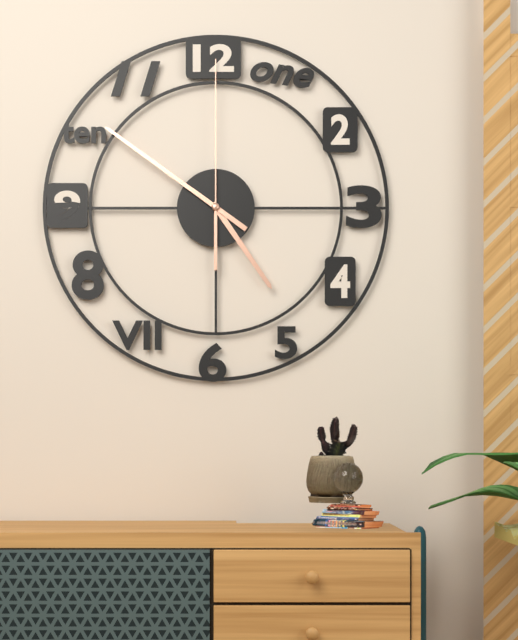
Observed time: 4:51:00
